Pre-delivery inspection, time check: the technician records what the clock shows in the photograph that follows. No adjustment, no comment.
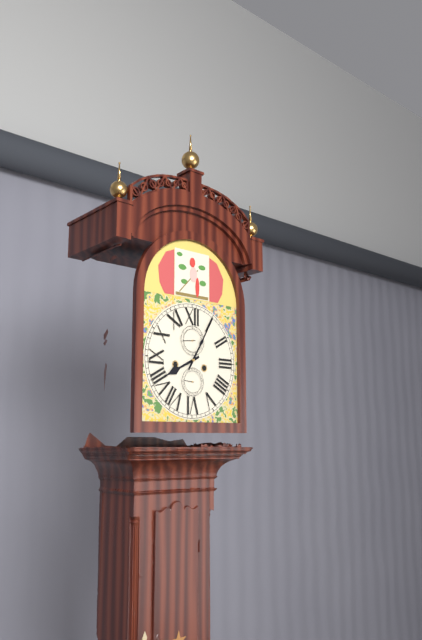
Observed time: 8:05
